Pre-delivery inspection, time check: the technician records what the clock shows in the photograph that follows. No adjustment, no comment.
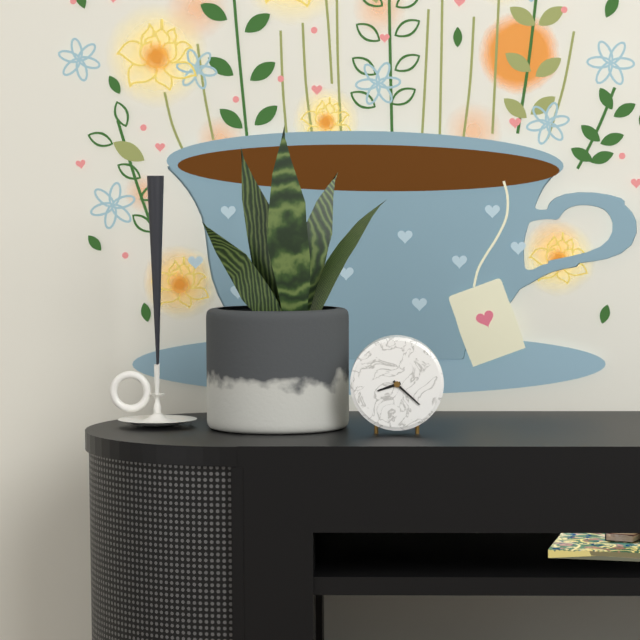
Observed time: 8:22
